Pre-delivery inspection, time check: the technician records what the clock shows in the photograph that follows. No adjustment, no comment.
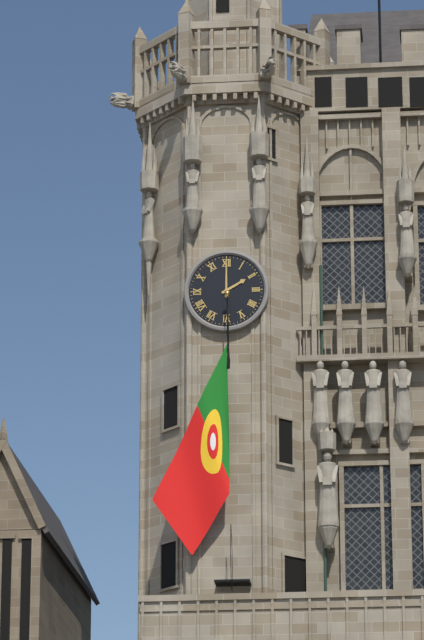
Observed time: 2:00
